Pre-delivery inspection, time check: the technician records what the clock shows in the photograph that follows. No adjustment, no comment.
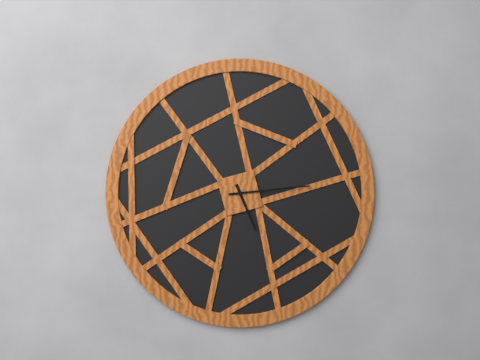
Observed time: 5:14
